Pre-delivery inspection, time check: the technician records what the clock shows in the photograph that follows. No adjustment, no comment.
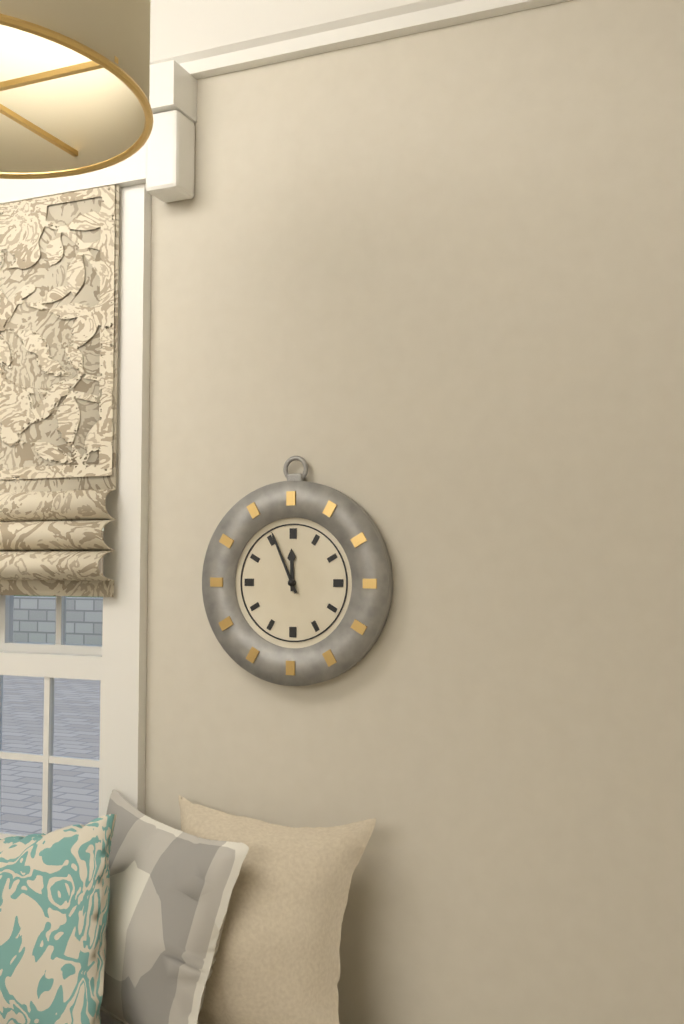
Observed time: 11:56
